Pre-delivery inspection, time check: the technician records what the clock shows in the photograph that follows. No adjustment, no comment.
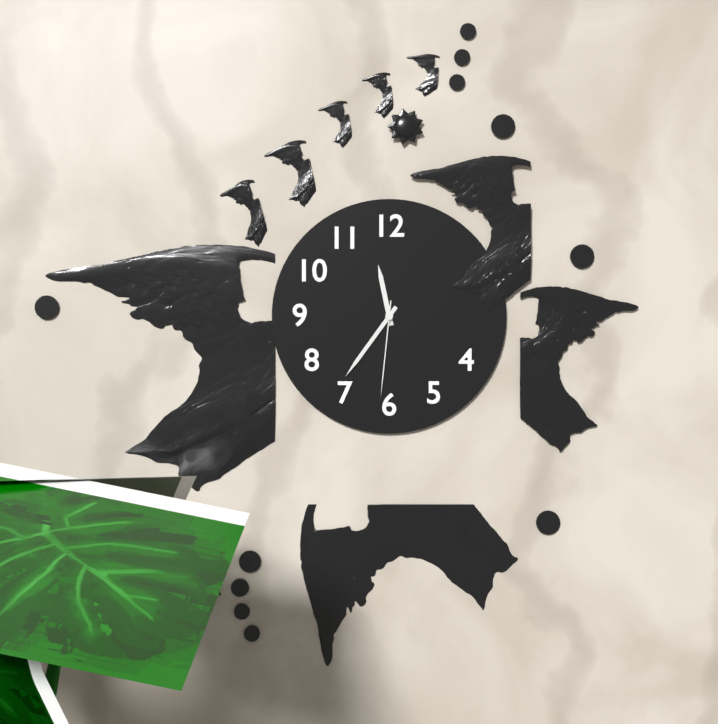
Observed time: 11:36:31
